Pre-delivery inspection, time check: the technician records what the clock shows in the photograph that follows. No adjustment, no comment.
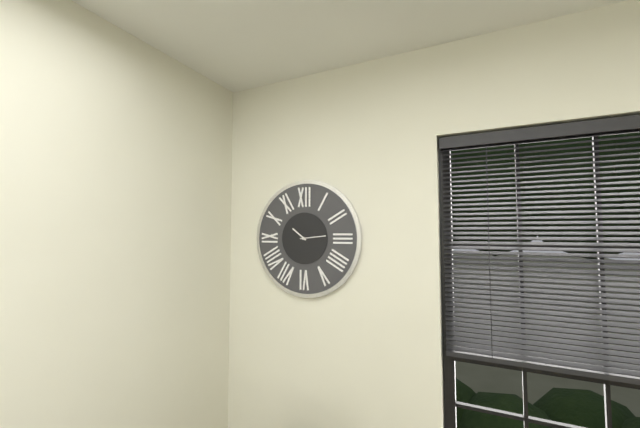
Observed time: 10:14
